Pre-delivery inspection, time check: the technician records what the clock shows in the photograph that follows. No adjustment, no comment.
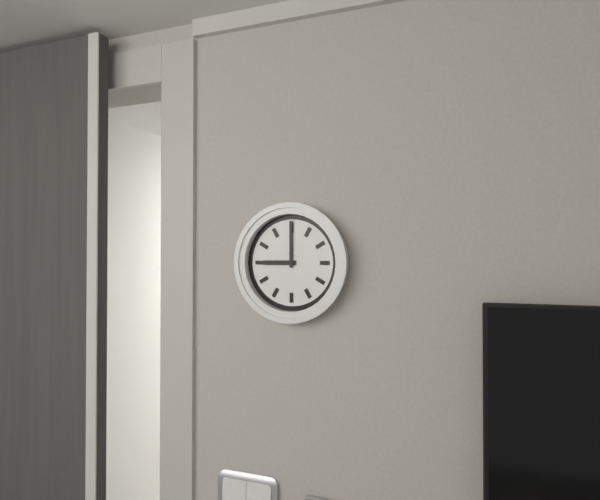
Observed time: 9:00
